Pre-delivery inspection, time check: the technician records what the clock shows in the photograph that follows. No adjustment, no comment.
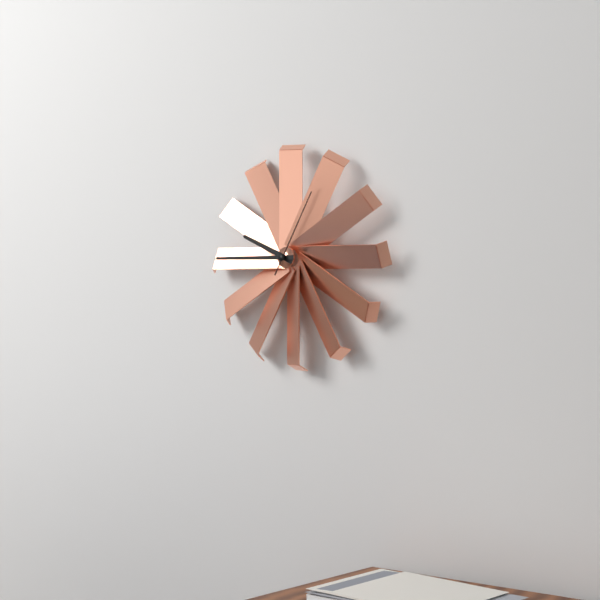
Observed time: 9:45:05
